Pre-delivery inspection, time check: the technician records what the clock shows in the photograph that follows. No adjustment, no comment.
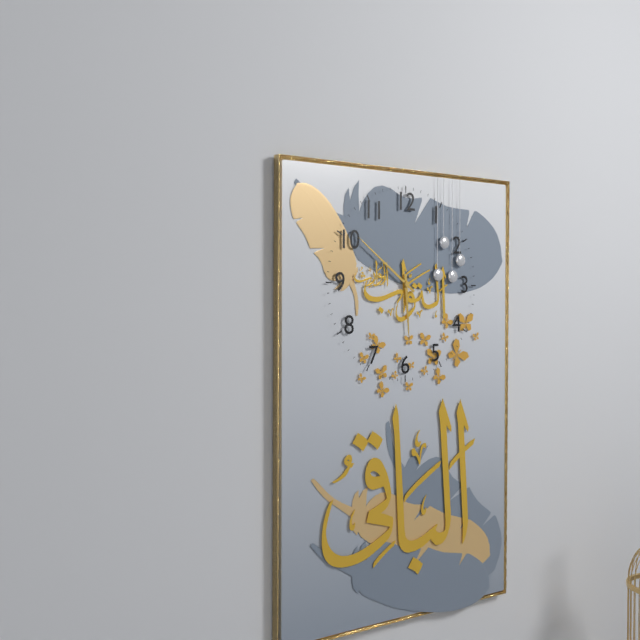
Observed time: 5:51
